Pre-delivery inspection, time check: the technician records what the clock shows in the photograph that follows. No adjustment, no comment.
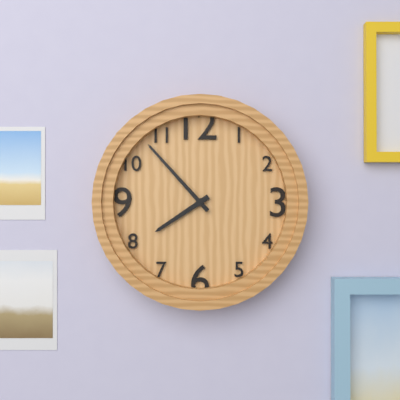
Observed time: 7:53
